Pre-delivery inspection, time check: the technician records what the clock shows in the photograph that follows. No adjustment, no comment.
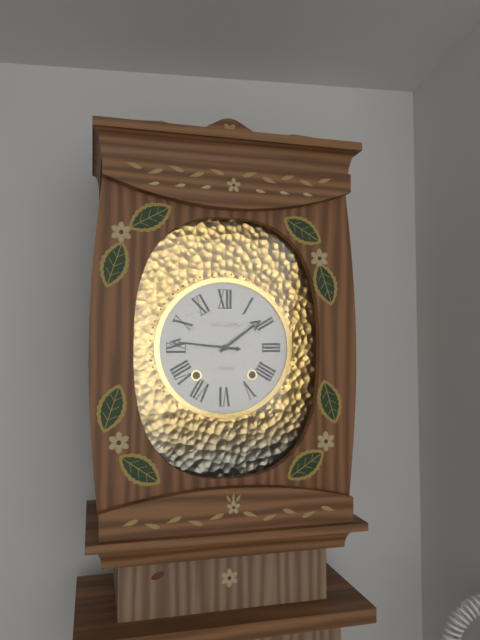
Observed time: 1:46
